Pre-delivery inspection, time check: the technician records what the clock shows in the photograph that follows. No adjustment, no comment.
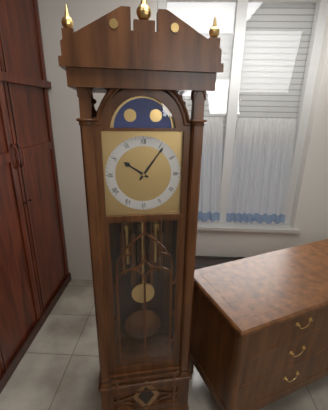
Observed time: 10:06
